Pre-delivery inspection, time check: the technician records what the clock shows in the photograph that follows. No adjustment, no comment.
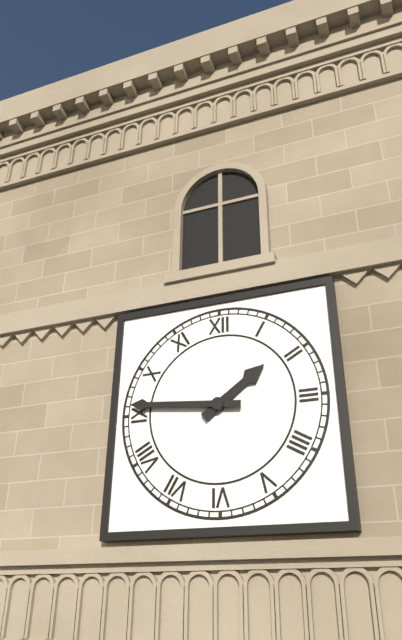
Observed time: 1:46
